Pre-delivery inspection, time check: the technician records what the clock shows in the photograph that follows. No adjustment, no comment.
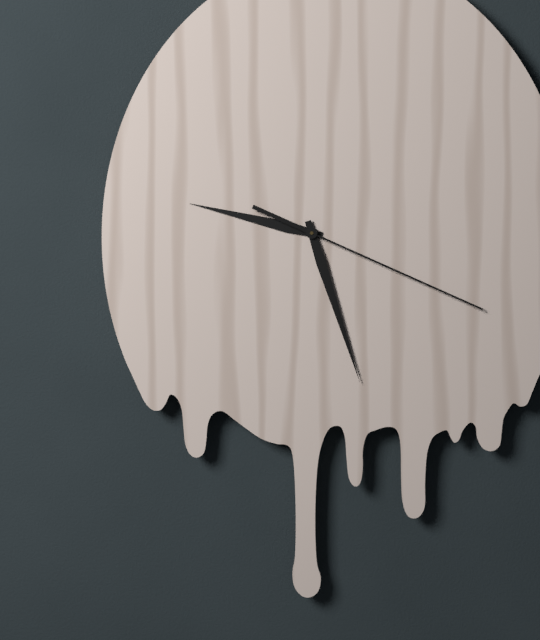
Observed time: 9:27:19
